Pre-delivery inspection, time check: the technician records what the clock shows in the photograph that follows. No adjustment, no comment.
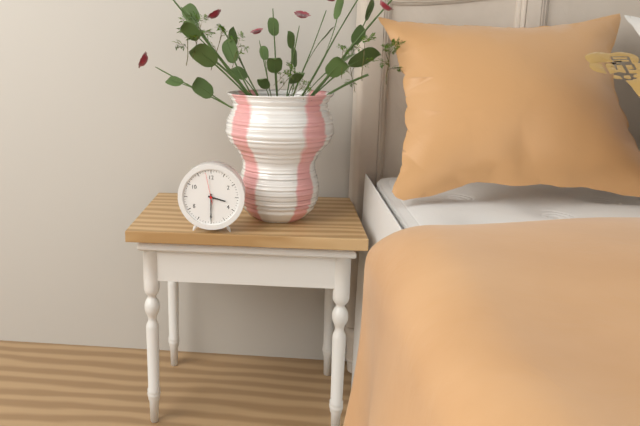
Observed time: 3:30
